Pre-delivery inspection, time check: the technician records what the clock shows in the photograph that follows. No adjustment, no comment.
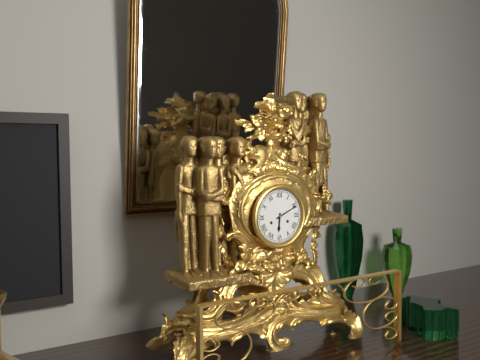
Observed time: 6:11
